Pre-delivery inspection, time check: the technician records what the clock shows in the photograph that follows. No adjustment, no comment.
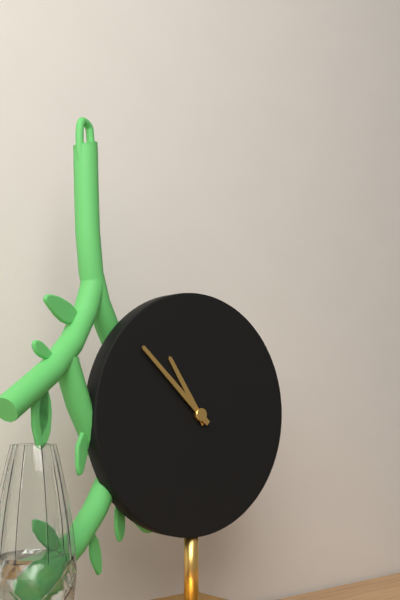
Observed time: 10:52
